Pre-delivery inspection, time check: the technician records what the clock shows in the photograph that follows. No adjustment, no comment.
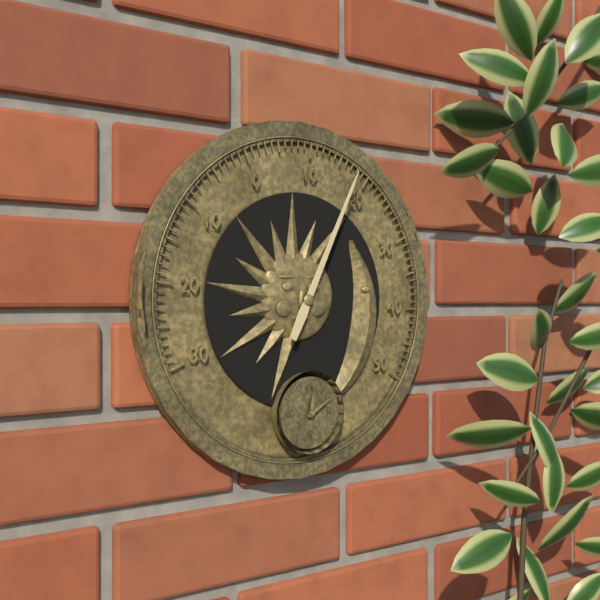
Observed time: 12:10
